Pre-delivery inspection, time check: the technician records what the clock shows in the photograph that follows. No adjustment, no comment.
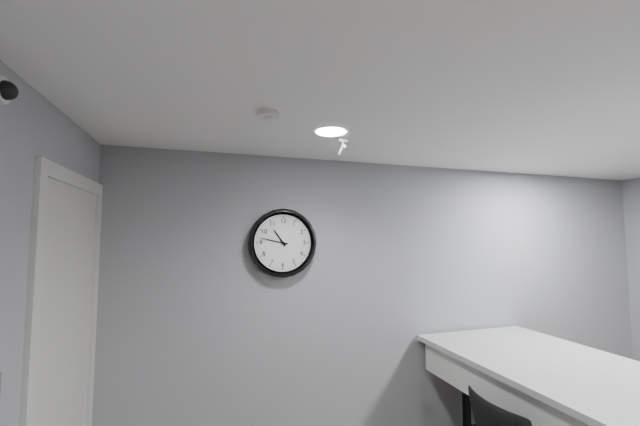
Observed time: 10:47
